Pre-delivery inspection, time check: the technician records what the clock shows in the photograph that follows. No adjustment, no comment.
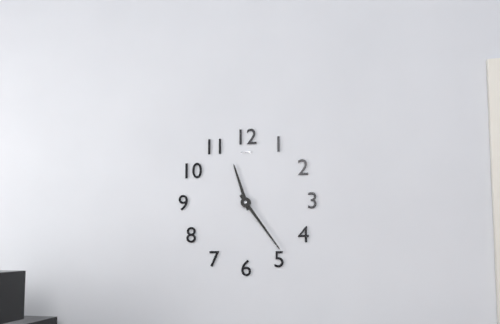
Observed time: 11:24
